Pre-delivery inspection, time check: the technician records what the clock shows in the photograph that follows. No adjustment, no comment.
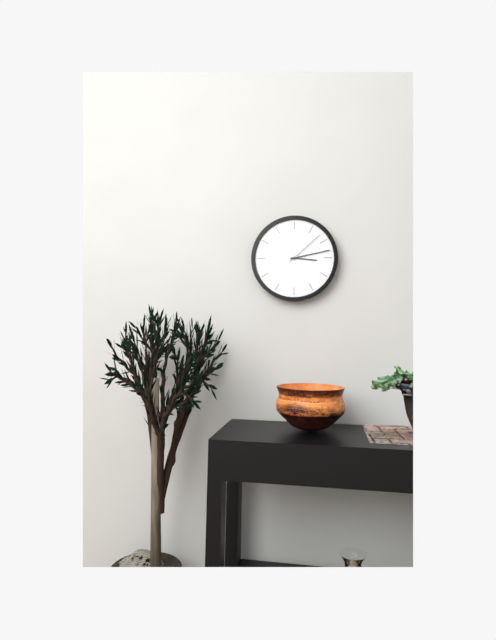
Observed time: 3:13
